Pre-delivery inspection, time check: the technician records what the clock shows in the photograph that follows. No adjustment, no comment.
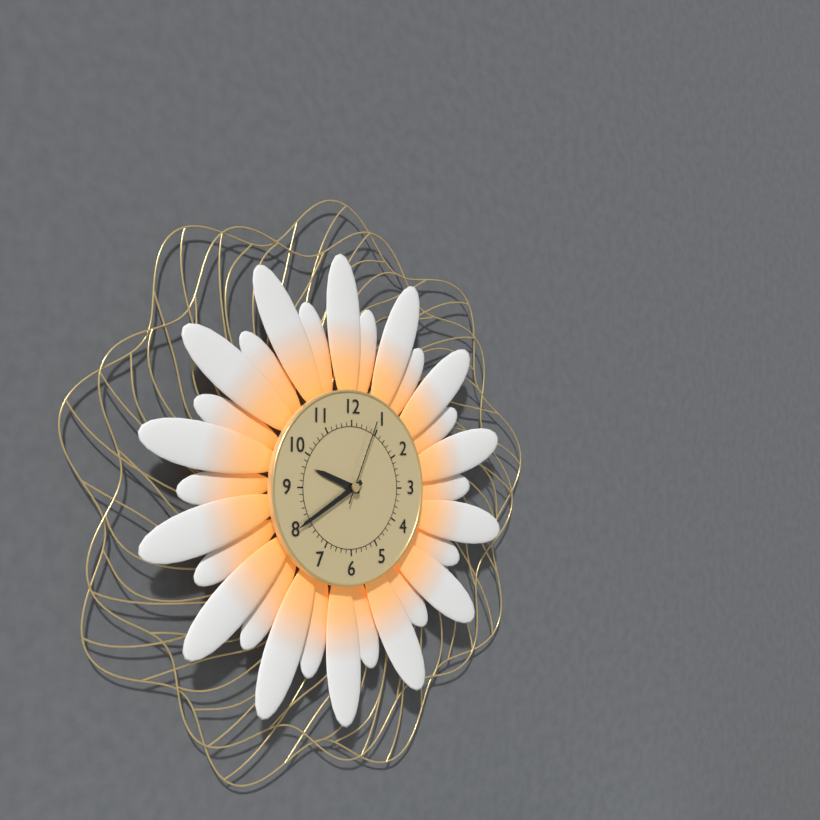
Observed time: 9:40:04
